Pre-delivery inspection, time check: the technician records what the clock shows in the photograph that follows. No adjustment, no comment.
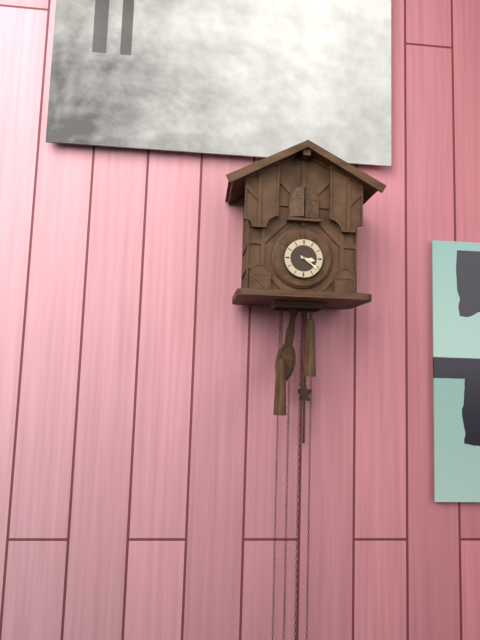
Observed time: 3:21
